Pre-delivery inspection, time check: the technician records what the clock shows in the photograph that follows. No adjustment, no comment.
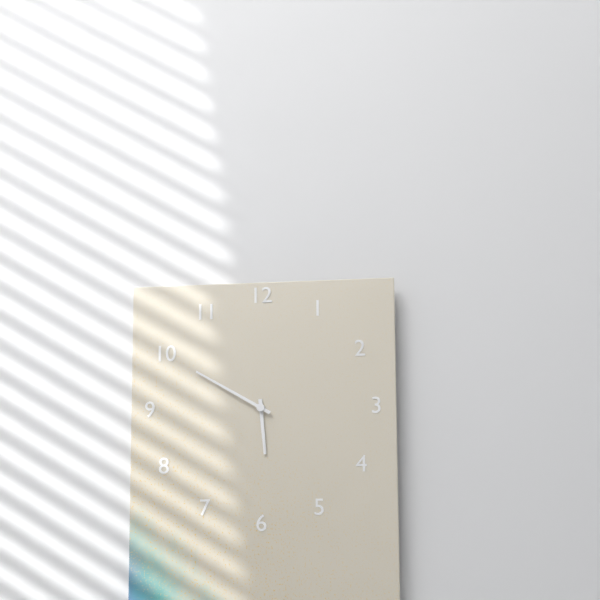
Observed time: 5:50
